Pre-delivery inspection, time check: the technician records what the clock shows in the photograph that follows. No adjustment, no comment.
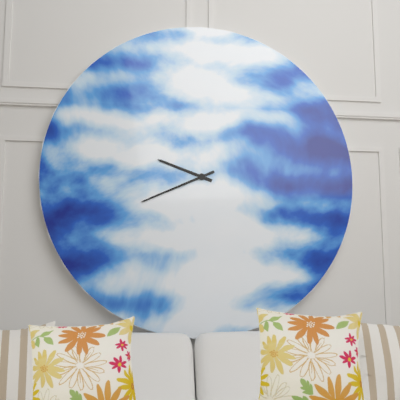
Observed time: 9:41
